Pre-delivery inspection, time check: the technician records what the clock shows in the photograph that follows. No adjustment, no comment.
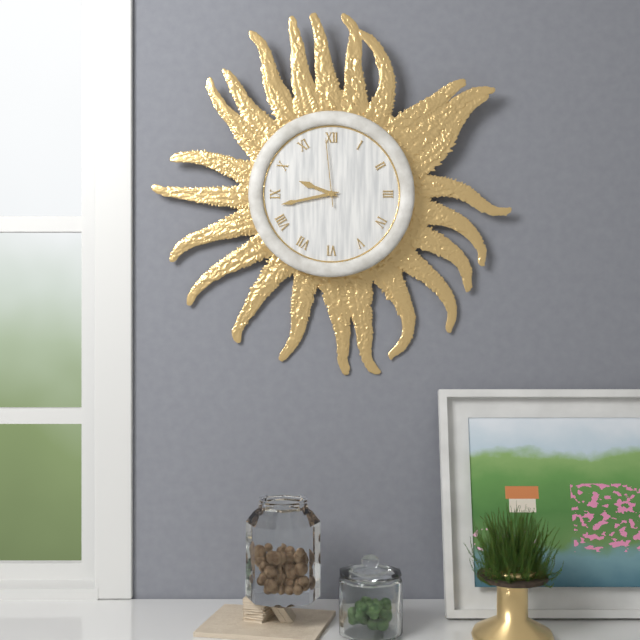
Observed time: 9:43:59
